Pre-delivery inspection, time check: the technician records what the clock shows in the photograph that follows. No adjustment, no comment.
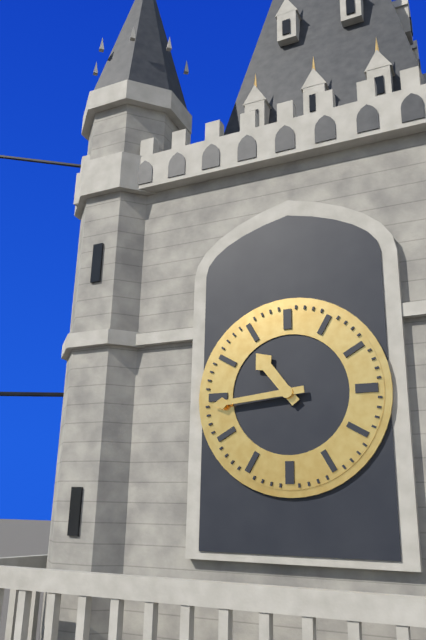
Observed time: 10:44
